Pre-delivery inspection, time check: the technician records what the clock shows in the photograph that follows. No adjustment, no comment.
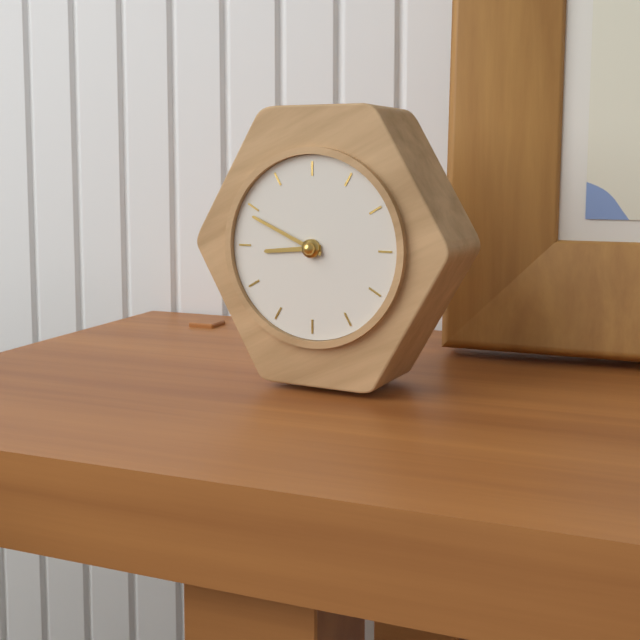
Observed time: 8:49
